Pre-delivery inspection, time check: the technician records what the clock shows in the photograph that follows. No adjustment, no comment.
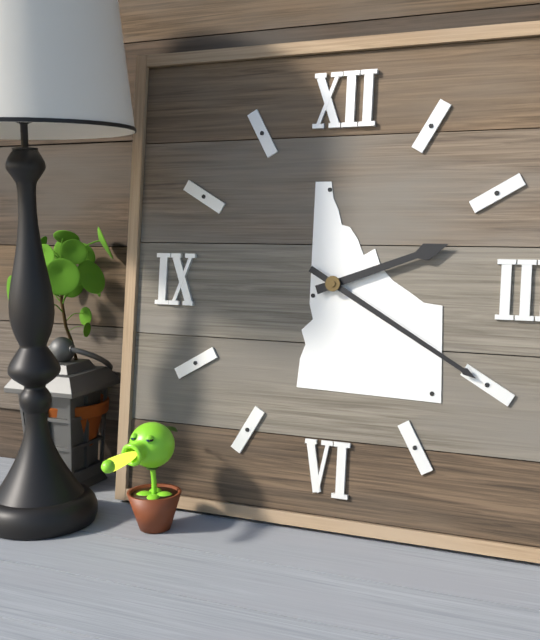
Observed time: 2:20
